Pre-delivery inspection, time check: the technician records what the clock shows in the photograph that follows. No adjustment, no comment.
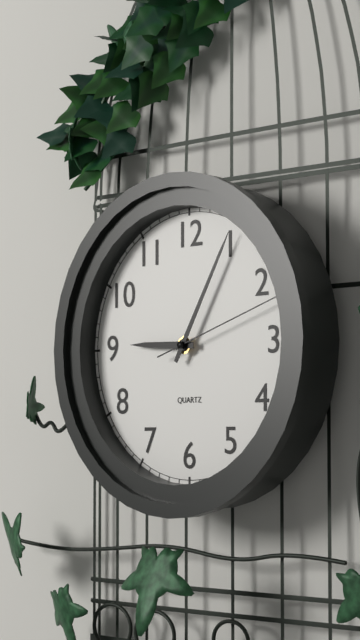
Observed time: 9:05:12
